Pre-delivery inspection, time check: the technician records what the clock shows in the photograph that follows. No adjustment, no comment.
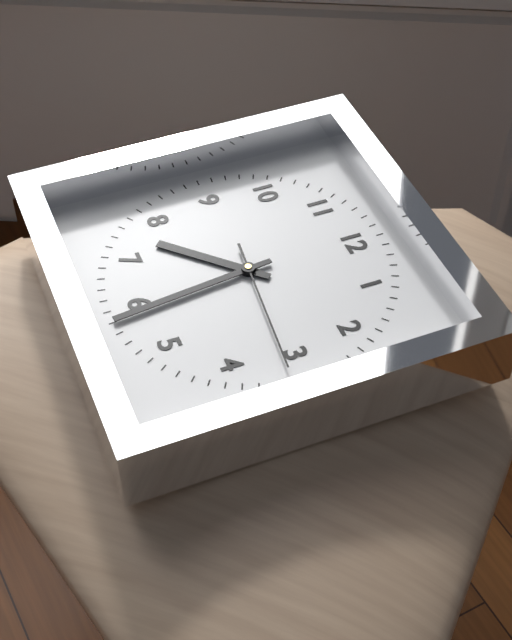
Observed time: 7:29:16
